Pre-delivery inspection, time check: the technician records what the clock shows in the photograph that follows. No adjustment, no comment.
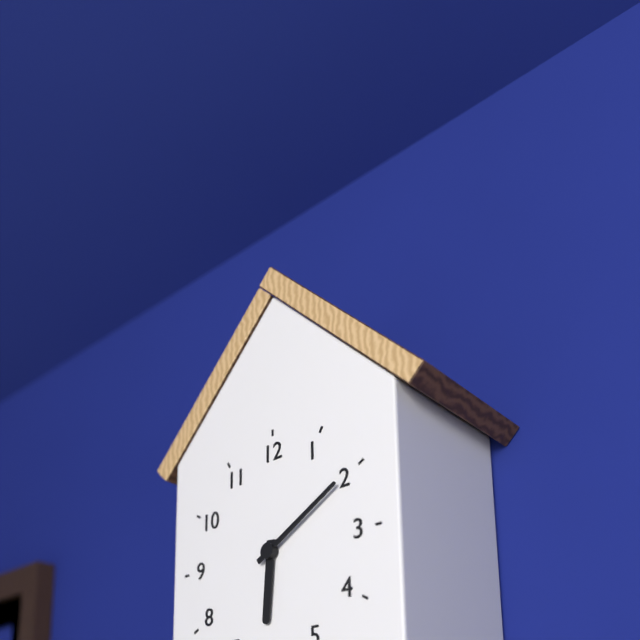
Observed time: 6:10
